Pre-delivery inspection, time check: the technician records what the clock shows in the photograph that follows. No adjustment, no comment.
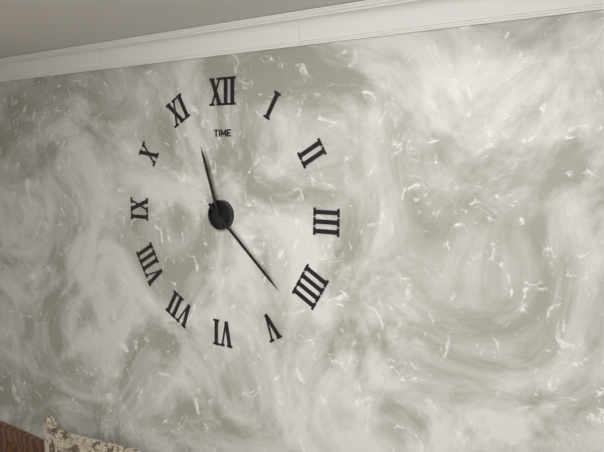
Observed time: 11:22
